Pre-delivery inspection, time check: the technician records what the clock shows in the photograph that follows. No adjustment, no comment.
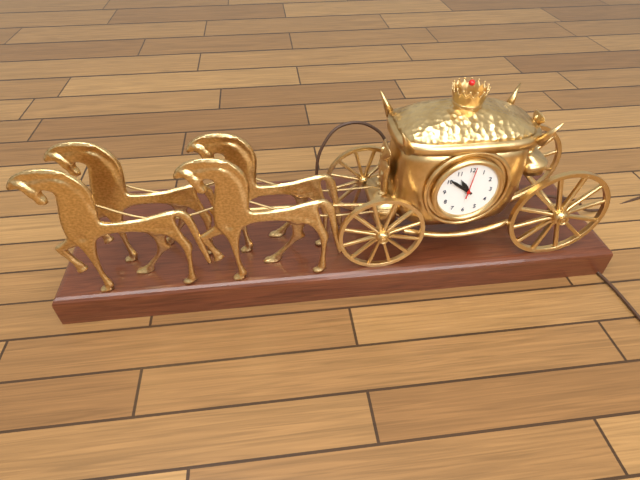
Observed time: 10:51
